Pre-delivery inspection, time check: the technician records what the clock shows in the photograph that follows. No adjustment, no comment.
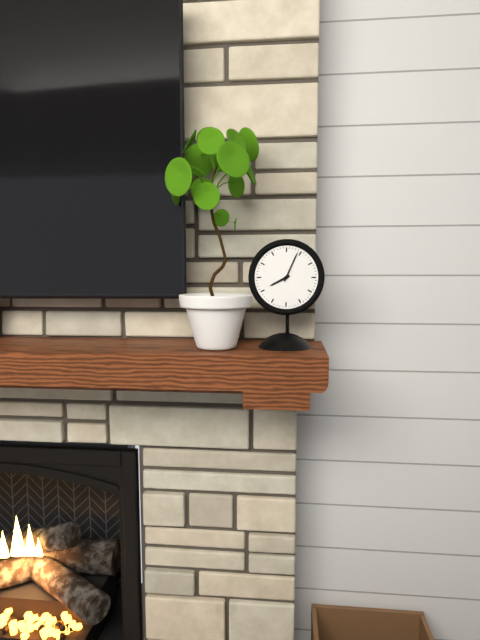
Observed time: 8:04
